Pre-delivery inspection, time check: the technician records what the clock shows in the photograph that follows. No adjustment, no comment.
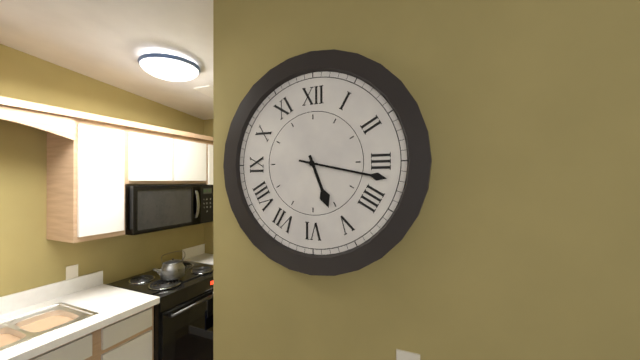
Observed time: 5:17
